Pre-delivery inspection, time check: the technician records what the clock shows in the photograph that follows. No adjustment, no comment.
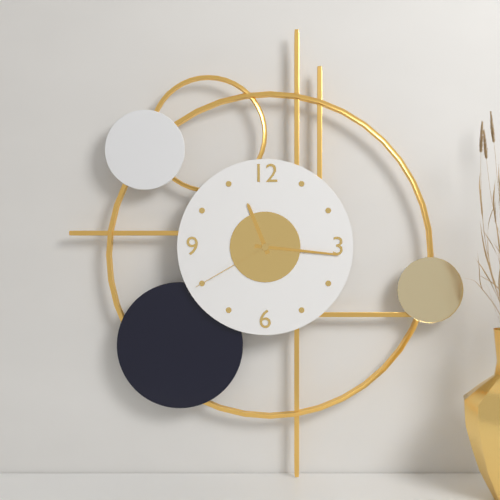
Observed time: 11:16:40
